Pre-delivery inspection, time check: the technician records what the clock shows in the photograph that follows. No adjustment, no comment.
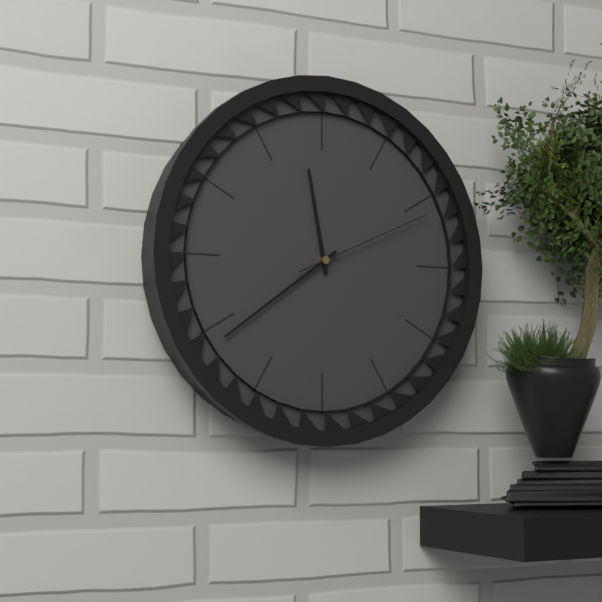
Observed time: 11:39:11
